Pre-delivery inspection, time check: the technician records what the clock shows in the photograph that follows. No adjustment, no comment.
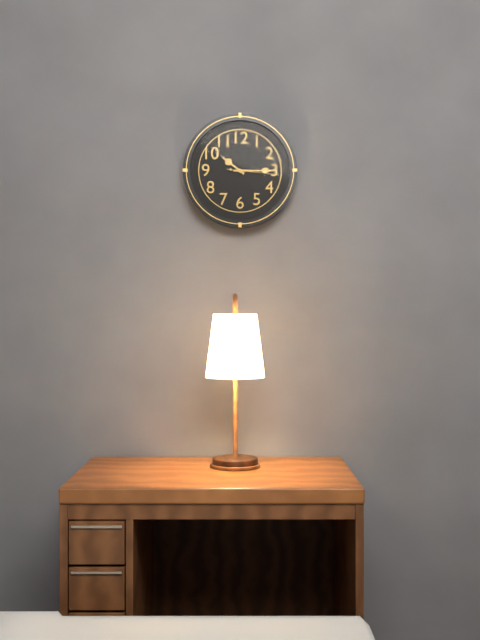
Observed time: 10:15
